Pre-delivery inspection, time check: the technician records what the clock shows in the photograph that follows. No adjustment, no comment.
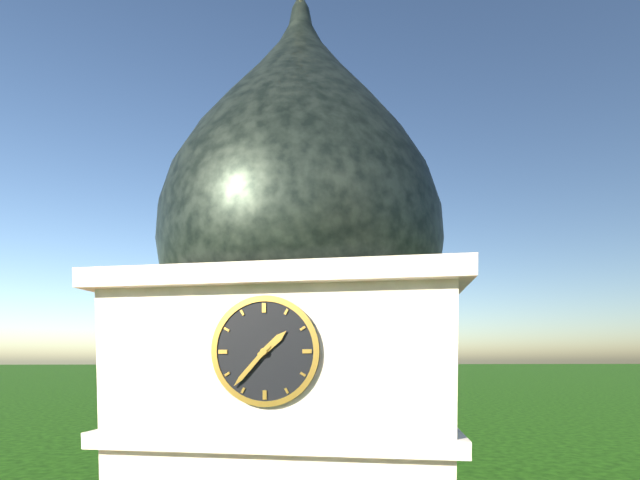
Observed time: 1:37
